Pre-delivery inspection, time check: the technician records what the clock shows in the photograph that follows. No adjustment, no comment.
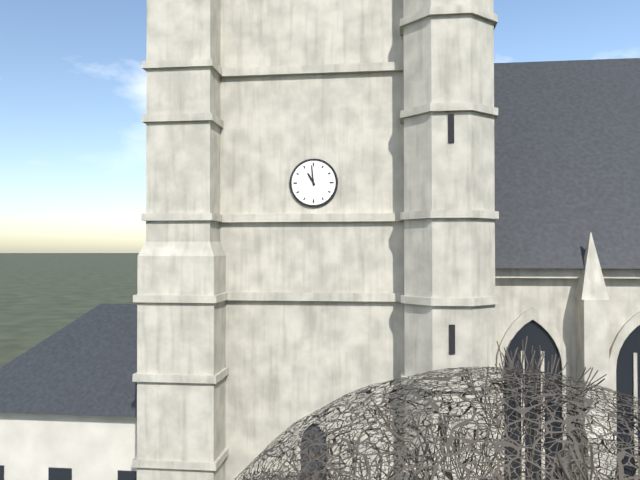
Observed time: 10:59
